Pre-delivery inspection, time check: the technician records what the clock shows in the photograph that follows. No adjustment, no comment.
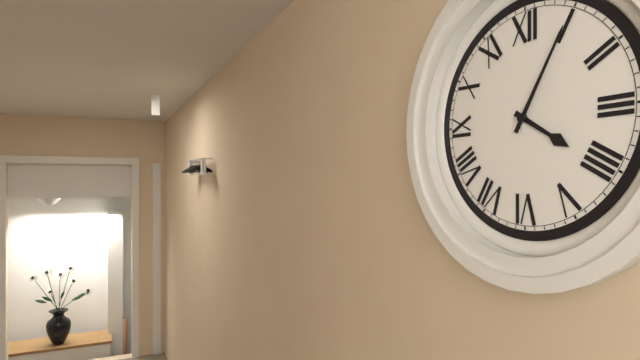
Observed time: 4:05
